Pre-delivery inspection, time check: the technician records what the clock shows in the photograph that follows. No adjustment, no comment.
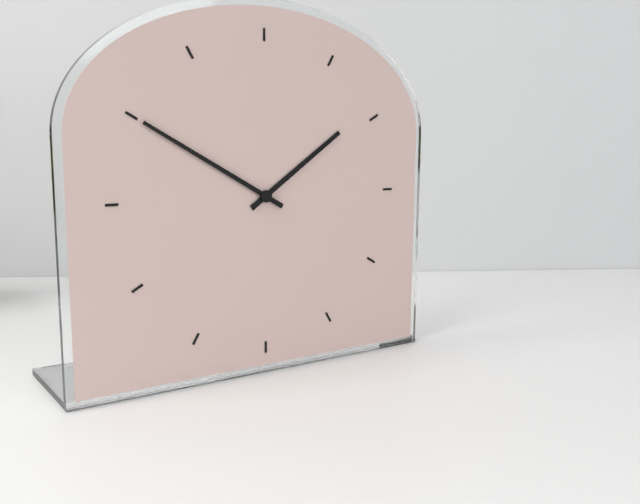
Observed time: 1:50
